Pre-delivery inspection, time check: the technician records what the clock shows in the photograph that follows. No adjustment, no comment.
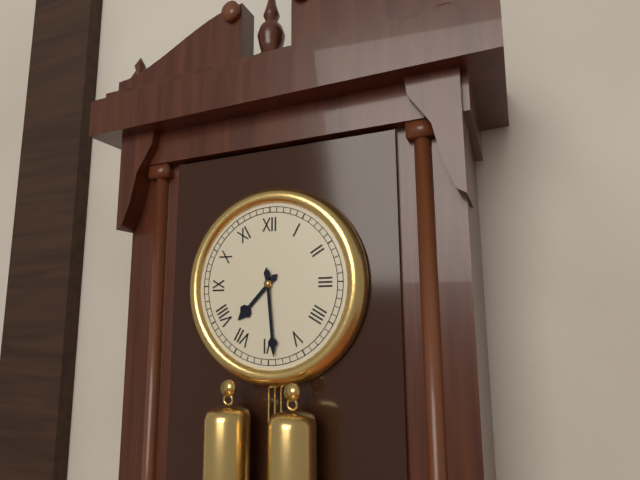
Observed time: 7:29
